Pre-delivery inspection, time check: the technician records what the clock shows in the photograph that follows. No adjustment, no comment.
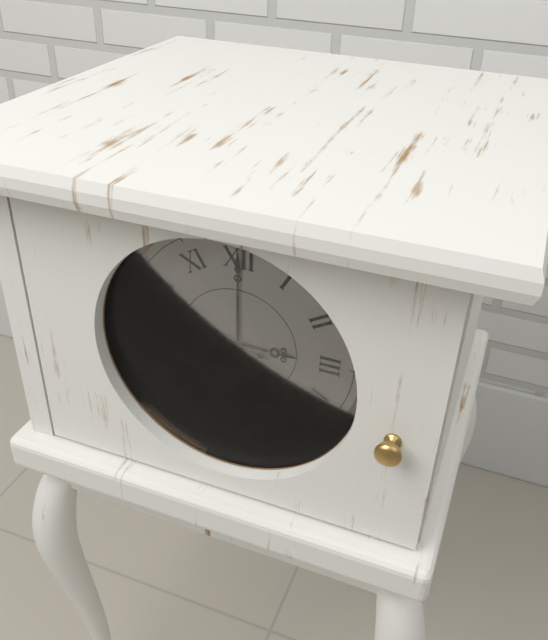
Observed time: 3:00:47
